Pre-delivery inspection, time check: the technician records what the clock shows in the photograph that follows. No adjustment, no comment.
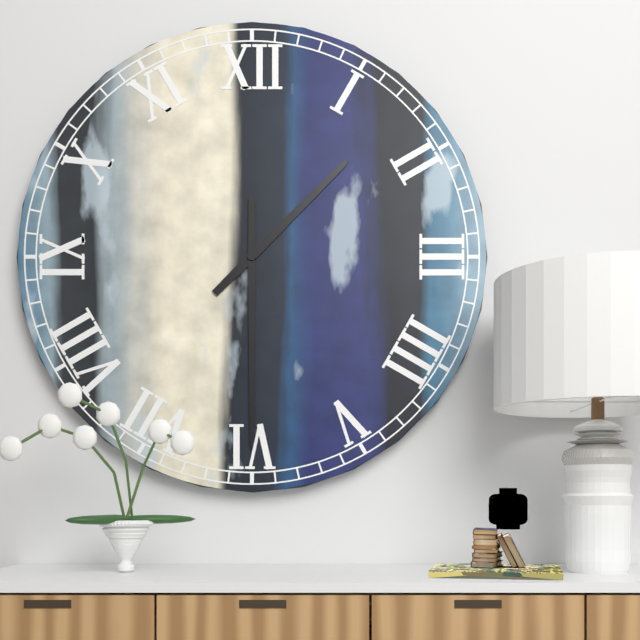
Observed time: 1:30
